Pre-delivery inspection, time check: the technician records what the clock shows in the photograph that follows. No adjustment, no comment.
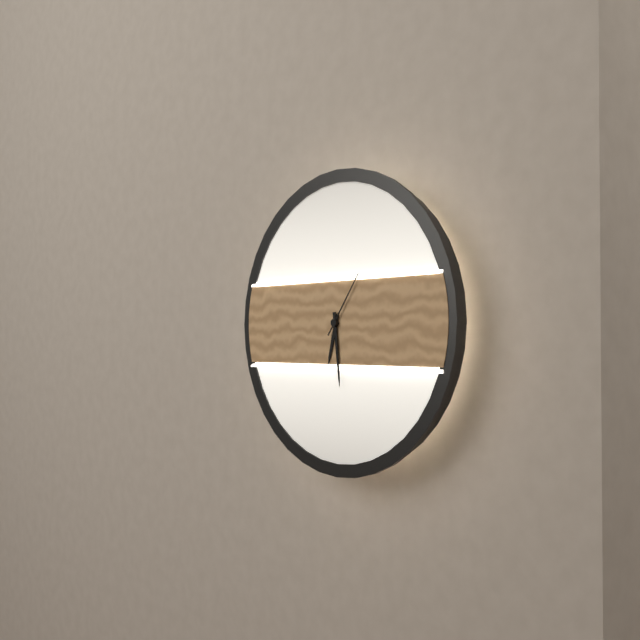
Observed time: 6:29:06
